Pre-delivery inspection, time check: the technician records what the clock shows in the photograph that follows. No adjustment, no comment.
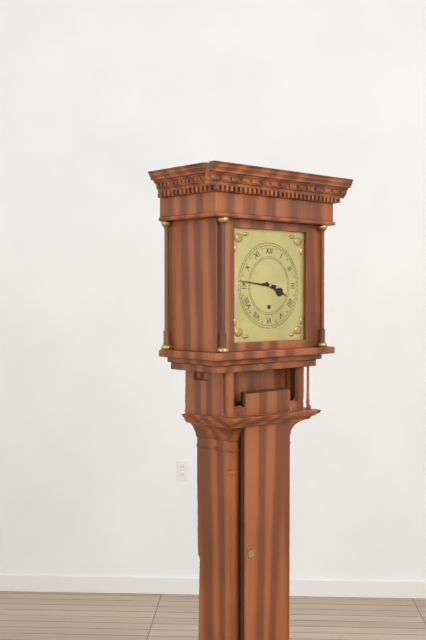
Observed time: 3:46
